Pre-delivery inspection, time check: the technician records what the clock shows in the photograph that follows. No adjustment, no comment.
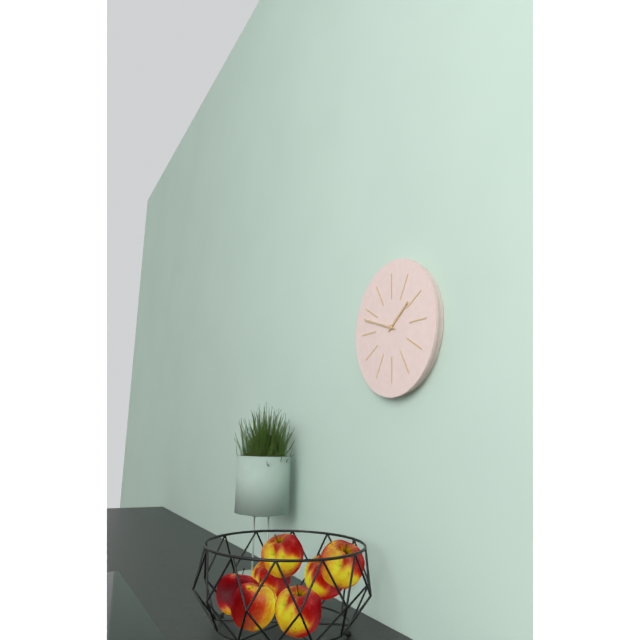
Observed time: 1:48
